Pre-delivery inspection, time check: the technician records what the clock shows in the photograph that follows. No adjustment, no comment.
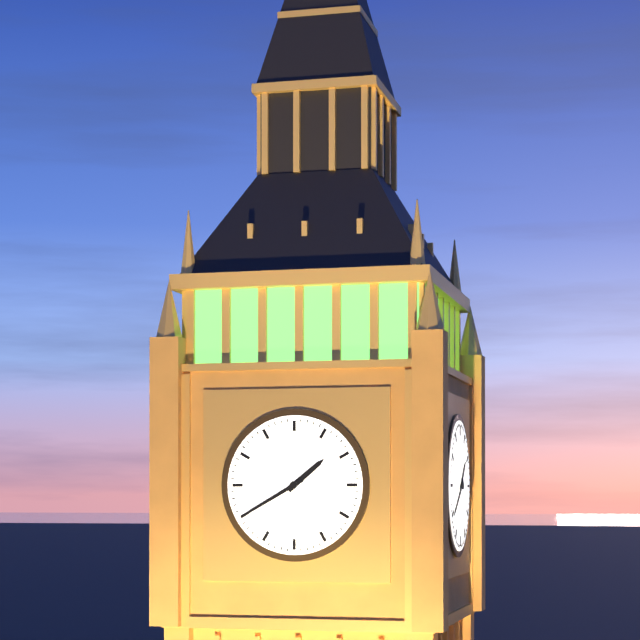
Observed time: 1:40
